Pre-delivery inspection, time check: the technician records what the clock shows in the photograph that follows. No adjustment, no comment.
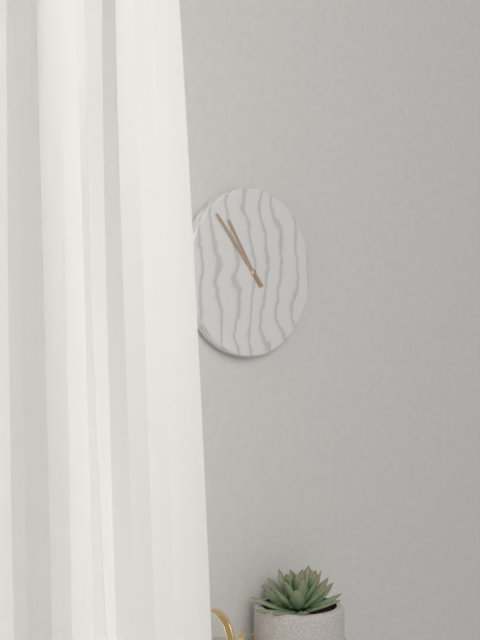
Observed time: 10:53
